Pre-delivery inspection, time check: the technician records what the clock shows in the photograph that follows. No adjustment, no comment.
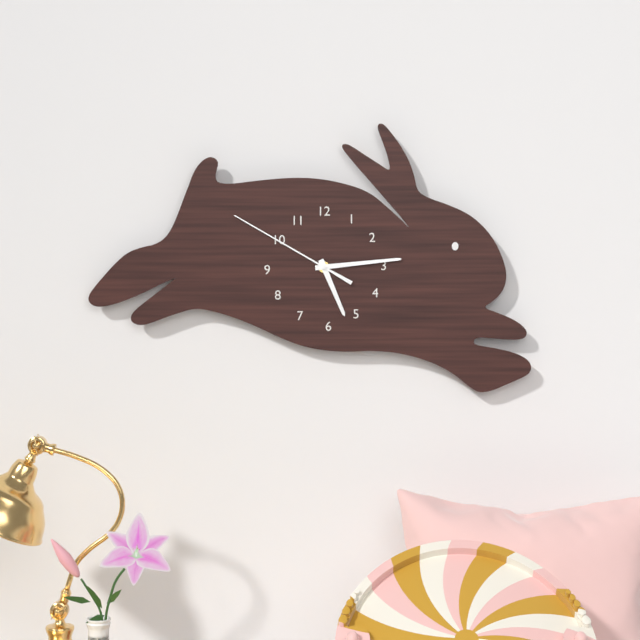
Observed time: 5:14:50
